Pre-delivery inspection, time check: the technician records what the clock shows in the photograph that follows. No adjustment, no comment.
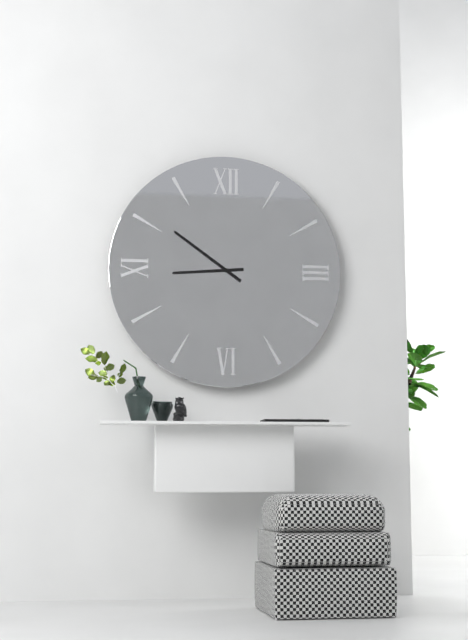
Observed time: 8:51
